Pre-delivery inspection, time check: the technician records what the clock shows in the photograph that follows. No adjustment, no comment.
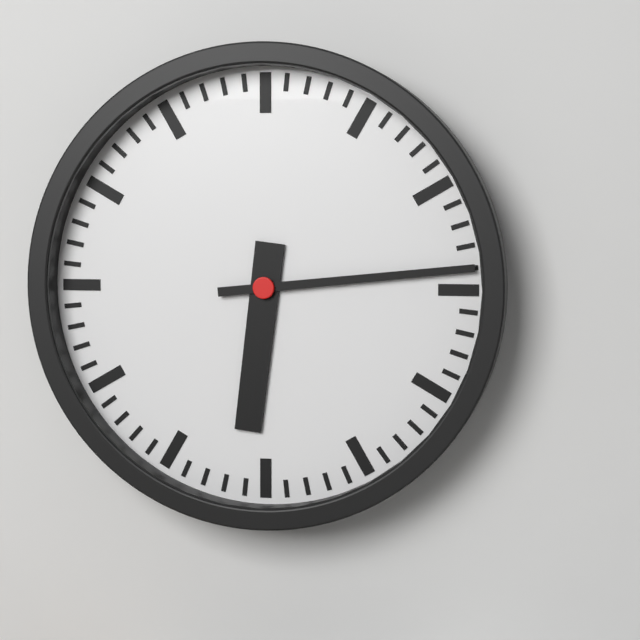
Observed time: 6:14
